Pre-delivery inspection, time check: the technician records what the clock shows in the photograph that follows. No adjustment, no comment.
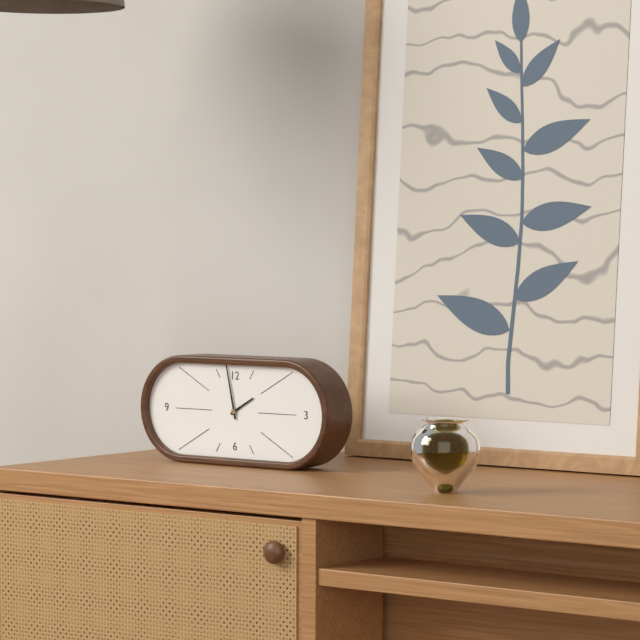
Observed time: 1:58
